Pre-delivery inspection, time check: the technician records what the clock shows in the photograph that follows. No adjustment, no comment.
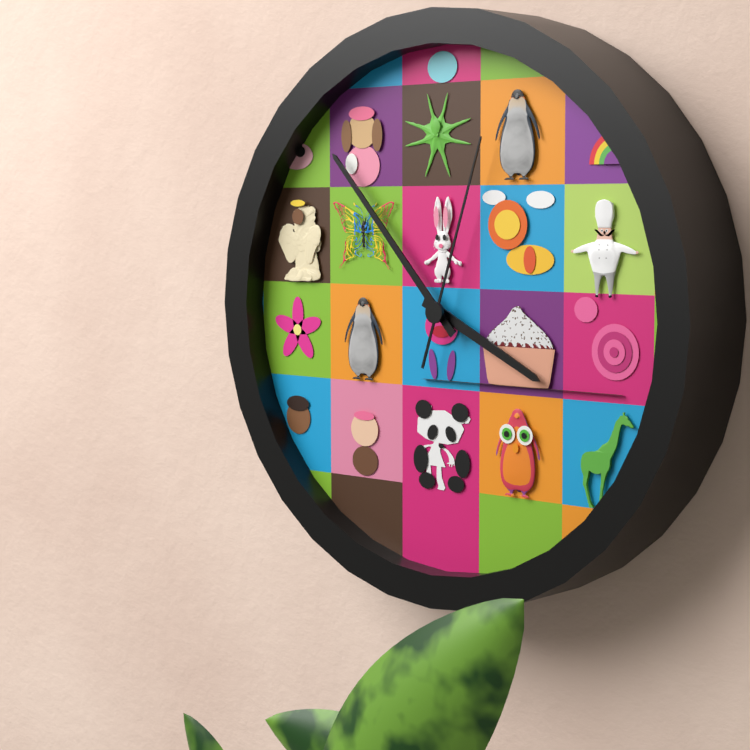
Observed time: 3:53:03
